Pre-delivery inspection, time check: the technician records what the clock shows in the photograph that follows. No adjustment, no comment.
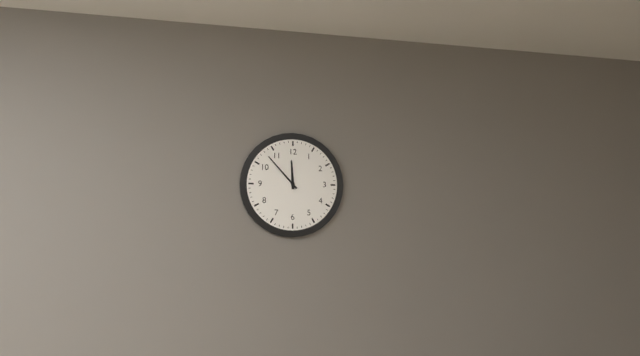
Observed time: 11:53
